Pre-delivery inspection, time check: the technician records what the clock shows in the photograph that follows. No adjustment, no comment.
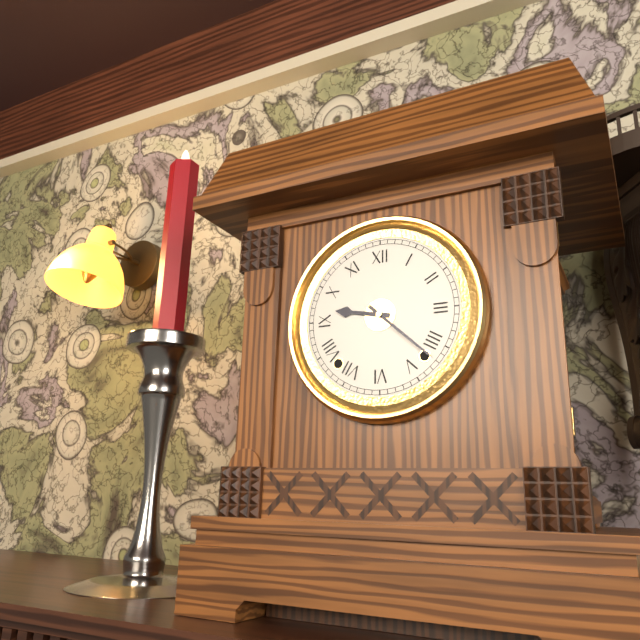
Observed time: 9:22
